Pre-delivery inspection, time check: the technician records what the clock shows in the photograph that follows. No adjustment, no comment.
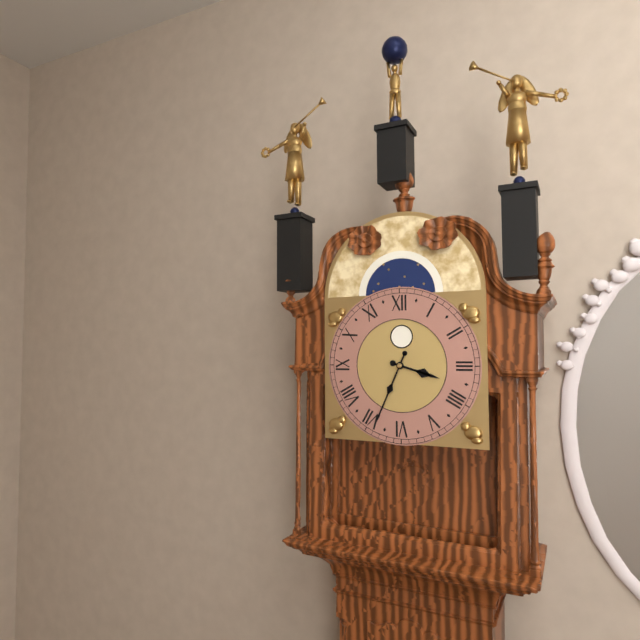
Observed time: 3:34
